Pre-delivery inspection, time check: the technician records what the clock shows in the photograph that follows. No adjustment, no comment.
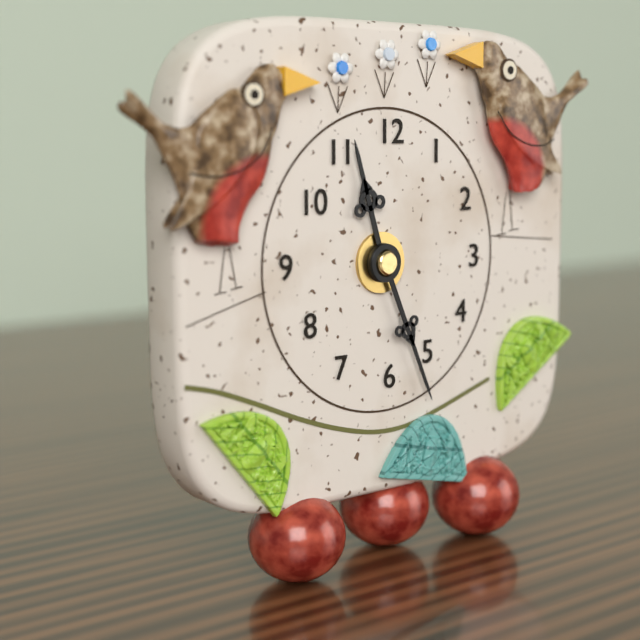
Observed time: 11:26
